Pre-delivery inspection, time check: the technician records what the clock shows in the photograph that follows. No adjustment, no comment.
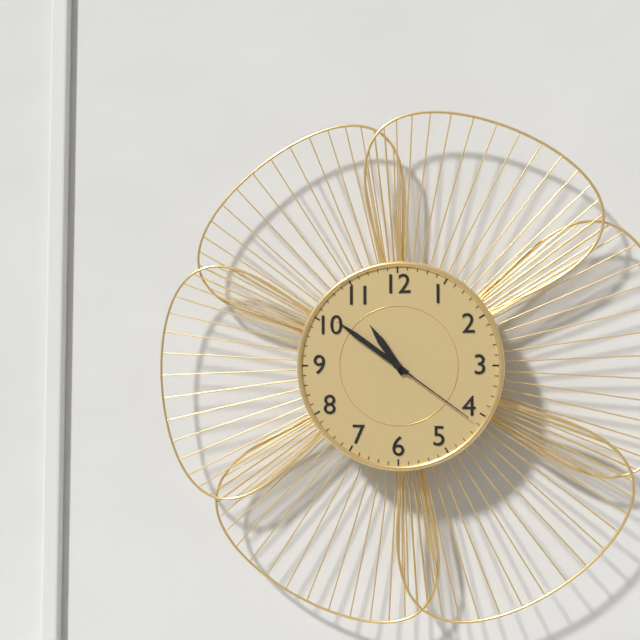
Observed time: 10:51:21
